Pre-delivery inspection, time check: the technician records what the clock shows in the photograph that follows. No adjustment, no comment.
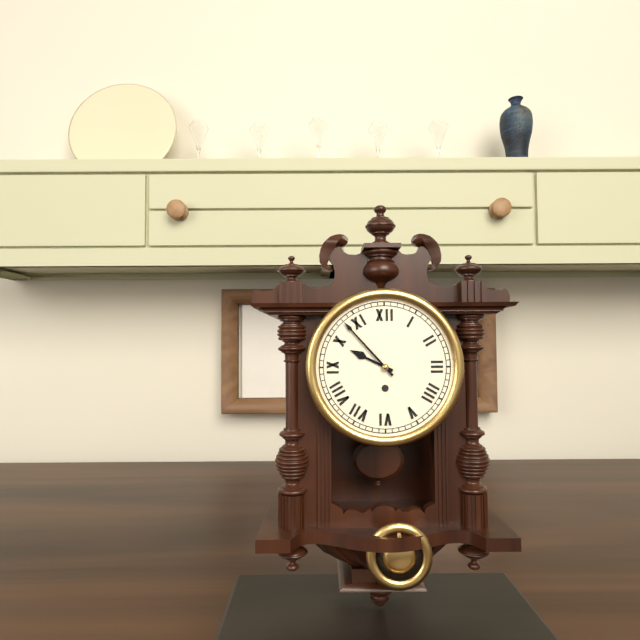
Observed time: 9:53
